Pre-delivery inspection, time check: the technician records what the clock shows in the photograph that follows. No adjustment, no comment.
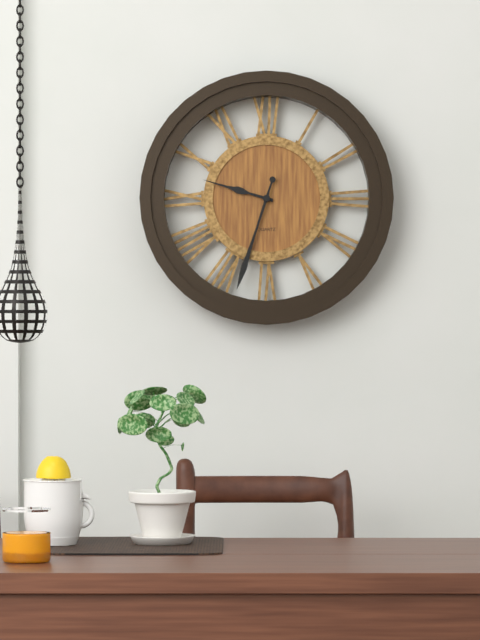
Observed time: 9:33
